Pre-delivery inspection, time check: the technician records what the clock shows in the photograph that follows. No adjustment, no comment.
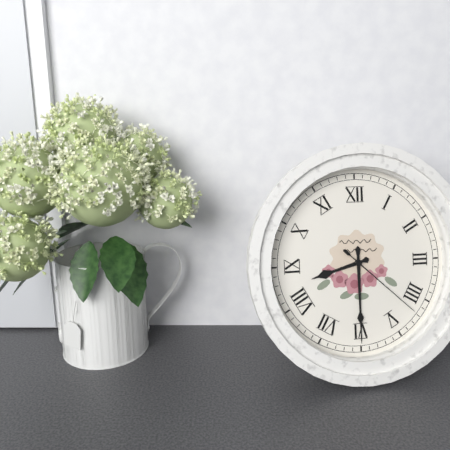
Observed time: 8:30:22
